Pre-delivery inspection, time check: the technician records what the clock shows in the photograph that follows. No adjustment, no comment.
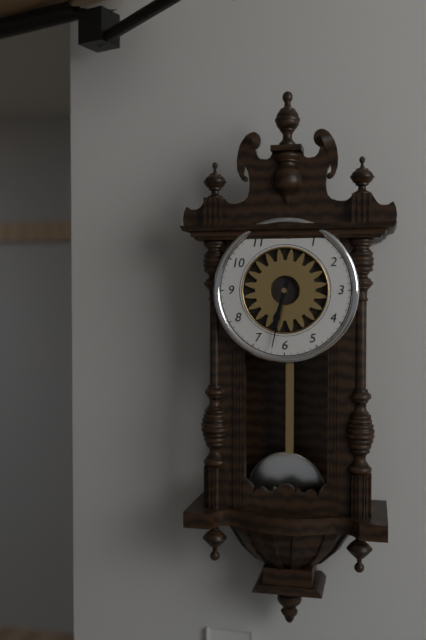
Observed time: 6:32
